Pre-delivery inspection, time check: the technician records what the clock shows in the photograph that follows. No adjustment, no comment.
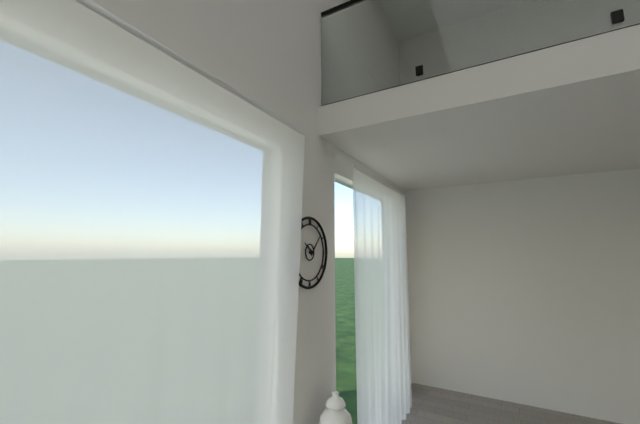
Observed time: 10:07
